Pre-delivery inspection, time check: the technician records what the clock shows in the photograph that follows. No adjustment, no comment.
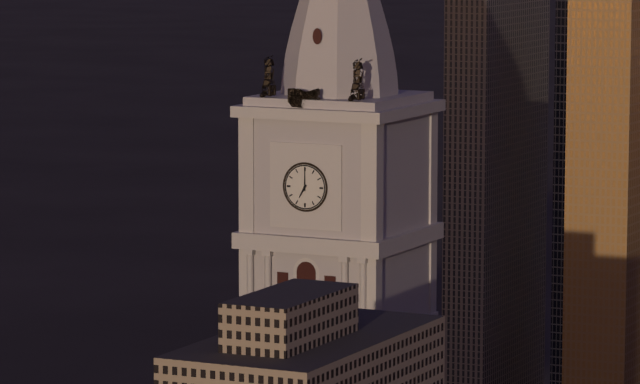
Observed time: 7:00
